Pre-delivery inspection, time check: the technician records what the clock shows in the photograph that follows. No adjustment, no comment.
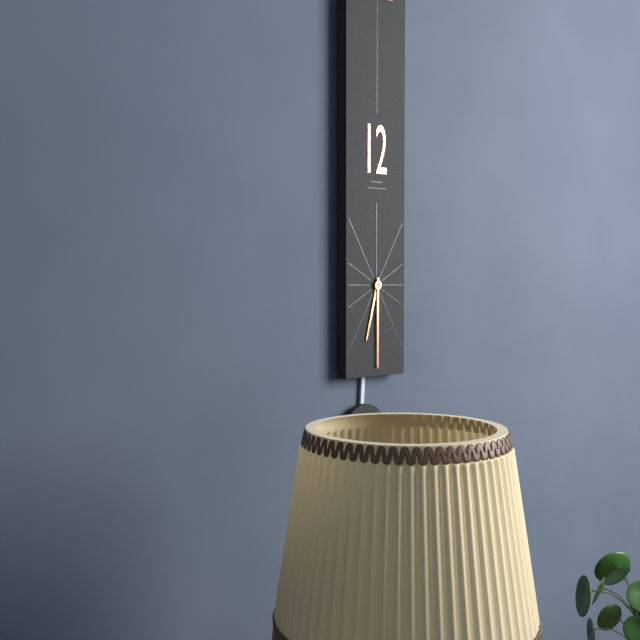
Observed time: 6:30
